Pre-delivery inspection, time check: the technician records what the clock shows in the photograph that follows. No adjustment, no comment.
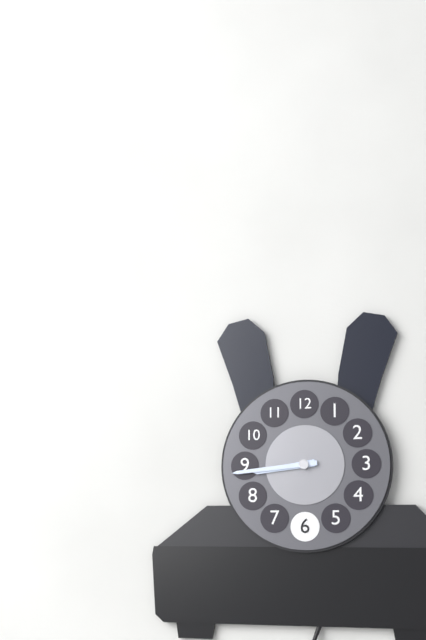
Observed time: 8:44
